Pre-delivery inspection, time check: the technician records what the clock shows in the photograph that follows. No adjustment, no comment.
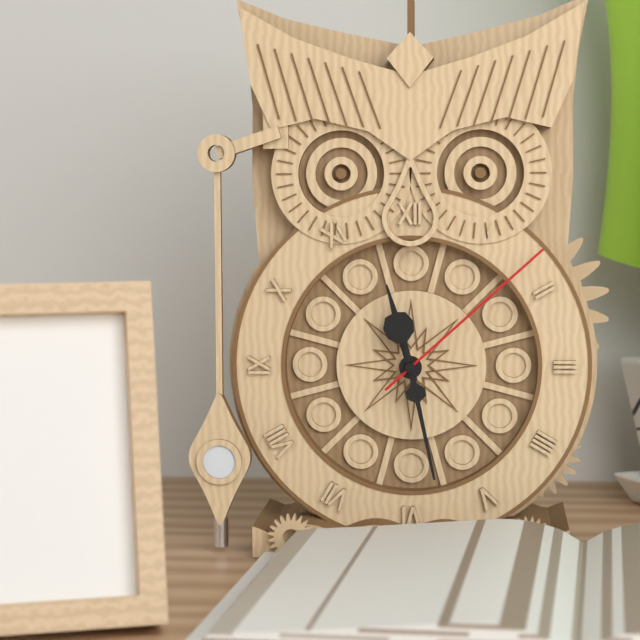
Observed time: 11:28:08
